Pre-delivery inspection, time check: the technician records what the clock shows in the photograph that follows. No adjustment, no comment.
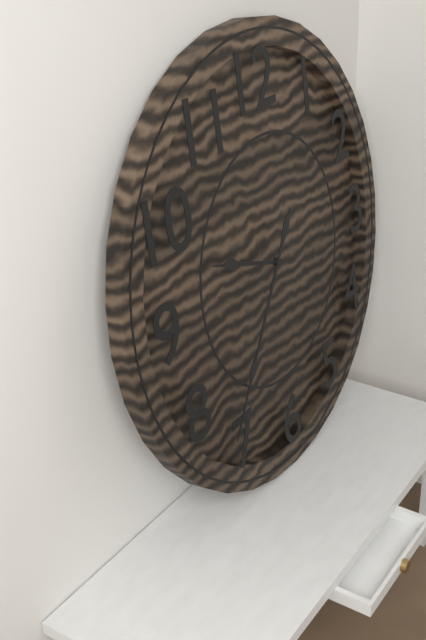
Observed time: 9:36
